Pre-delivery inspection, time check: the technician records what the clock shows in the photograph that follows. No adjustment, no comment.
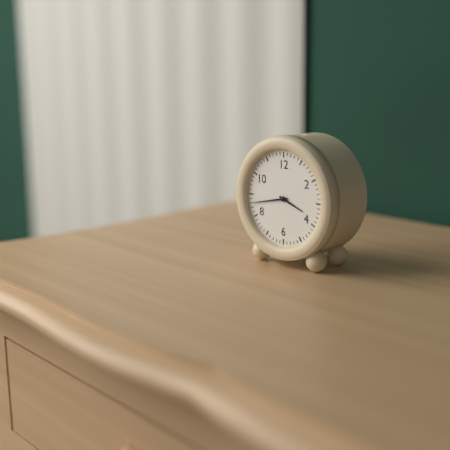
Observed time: 3:43
